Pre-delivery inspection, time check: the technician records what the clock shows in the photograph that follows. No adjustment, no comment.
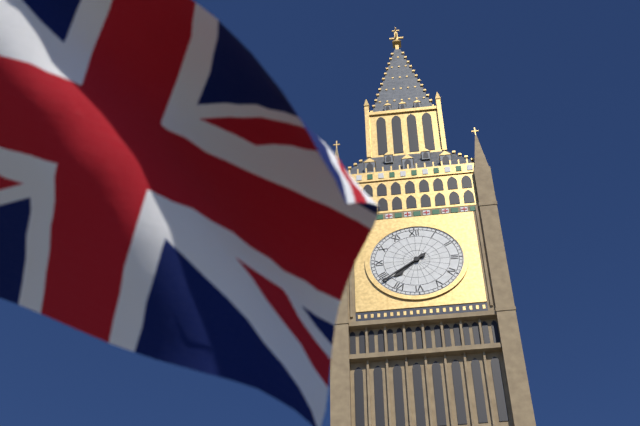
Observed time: 7:39
